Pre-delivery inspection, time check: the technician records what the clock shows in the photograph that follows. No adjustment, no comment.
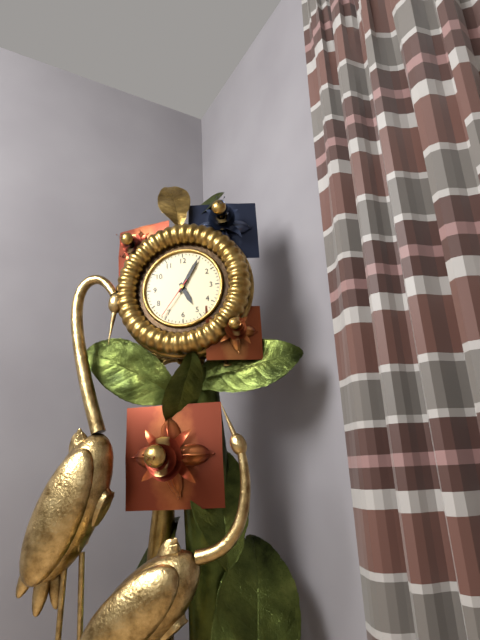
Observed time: 5:05
